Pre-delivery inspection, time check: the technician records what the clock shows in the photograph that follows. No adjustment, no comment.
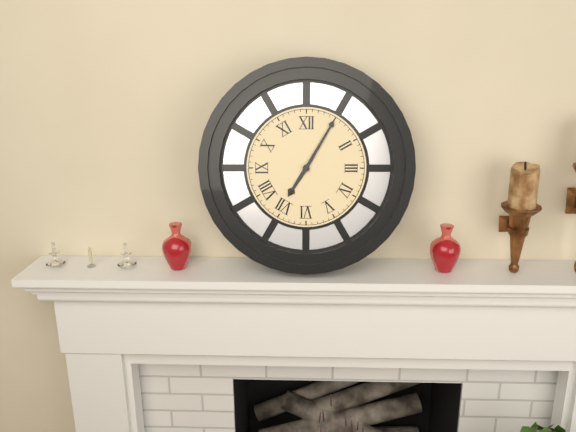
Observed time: 7:05
